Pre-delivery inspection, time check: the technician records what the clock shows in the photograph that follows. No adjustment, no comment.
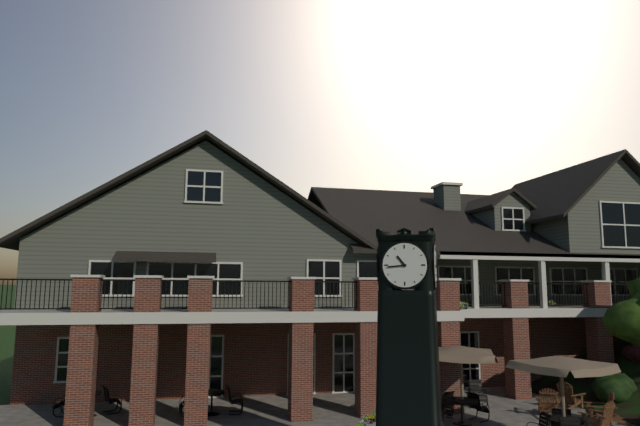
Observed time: 10:44
